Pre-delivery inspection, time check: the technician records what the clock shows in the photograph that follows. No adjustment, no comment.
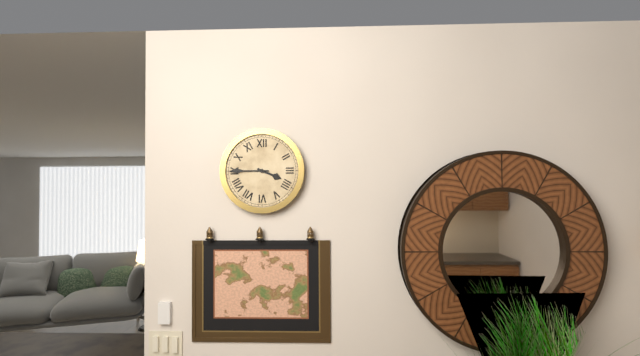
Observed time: 3:45
